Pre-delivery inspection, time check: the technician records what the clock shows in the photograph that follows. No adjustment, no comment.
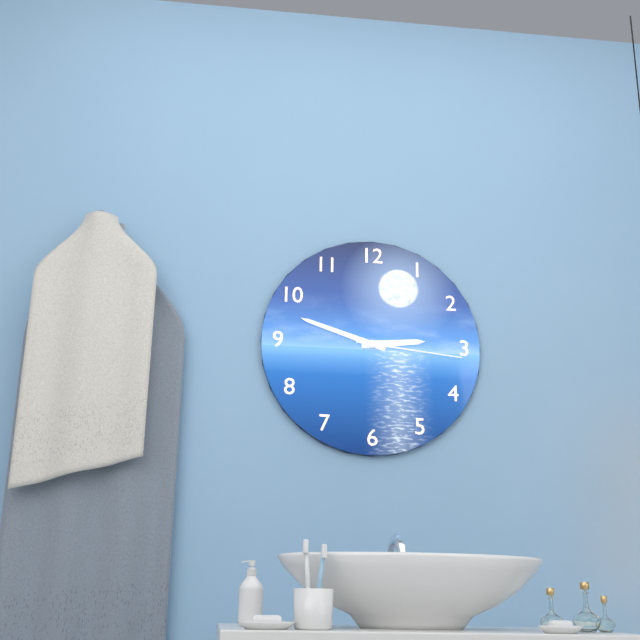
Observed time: 2:48:16
